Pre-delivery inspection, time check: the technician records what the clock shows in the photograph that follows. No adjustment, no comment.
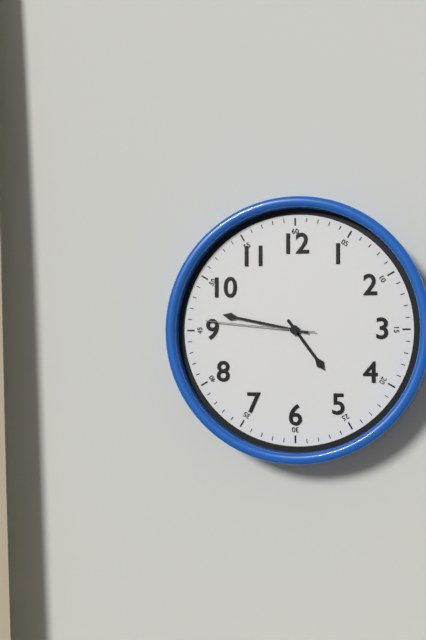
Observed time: 4:47:46
